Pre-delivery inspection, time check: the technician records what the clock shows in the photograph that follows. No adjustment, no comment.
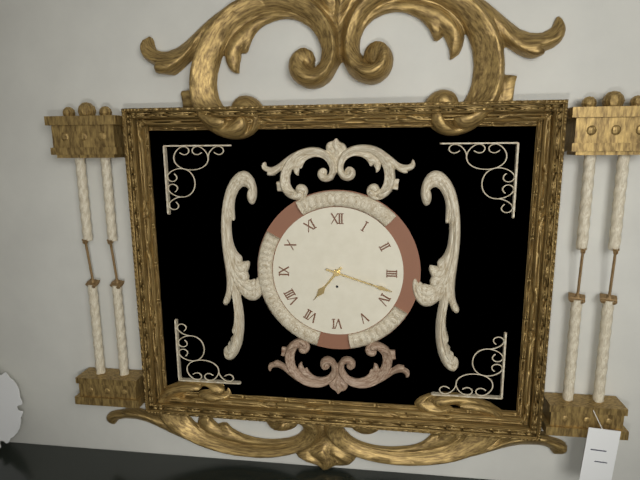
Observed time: 7:18
